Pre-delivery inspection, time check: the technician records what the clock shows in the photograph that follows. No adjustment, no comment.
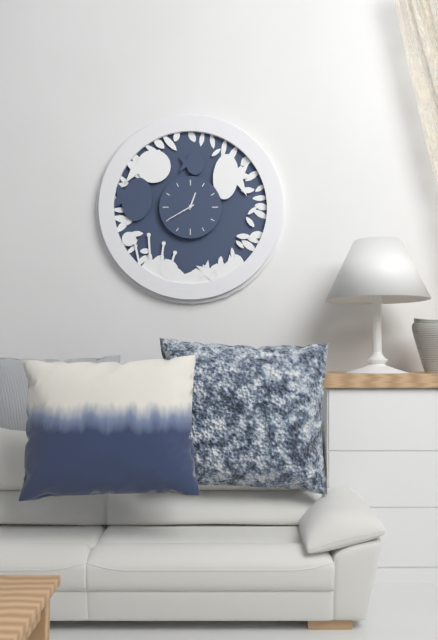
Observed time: 12:40
